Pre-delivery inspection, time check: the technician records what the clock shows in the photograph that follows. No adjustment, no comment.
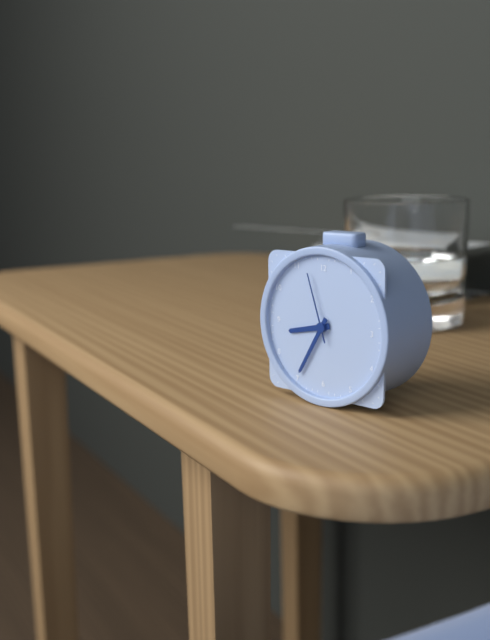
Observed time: 8:35:57
